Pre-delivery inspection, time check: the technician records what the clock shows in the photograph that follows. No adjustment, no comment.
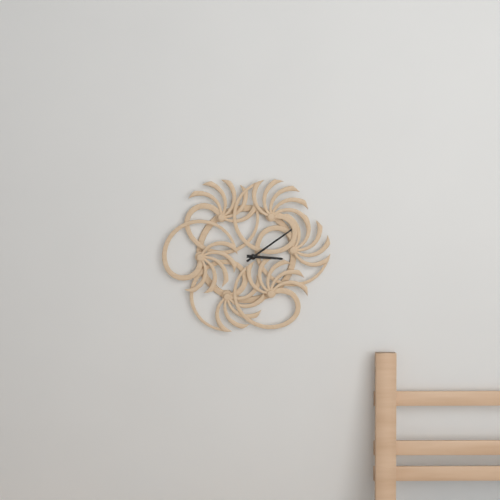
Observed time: 3:09
